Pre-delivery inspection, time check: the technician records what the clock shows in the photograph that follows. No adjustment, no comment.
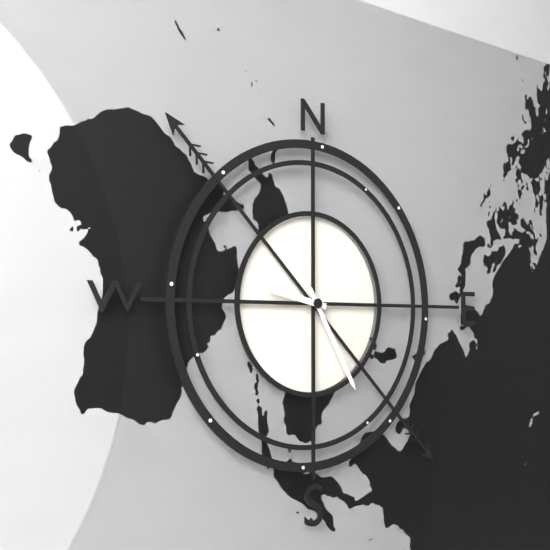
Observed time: 9:25
